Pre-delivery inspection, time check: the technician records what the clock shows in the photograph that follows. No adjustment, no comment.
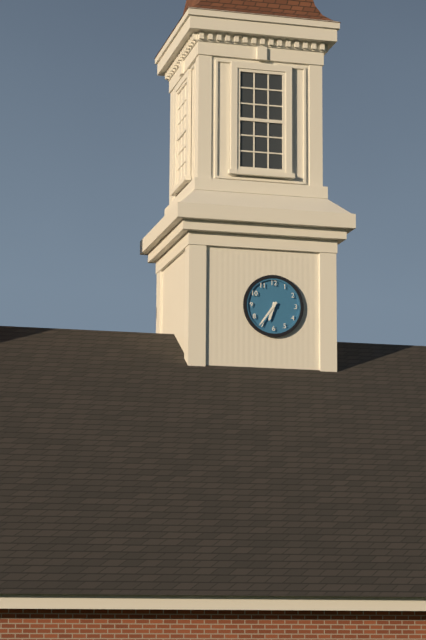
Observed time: 6:36
